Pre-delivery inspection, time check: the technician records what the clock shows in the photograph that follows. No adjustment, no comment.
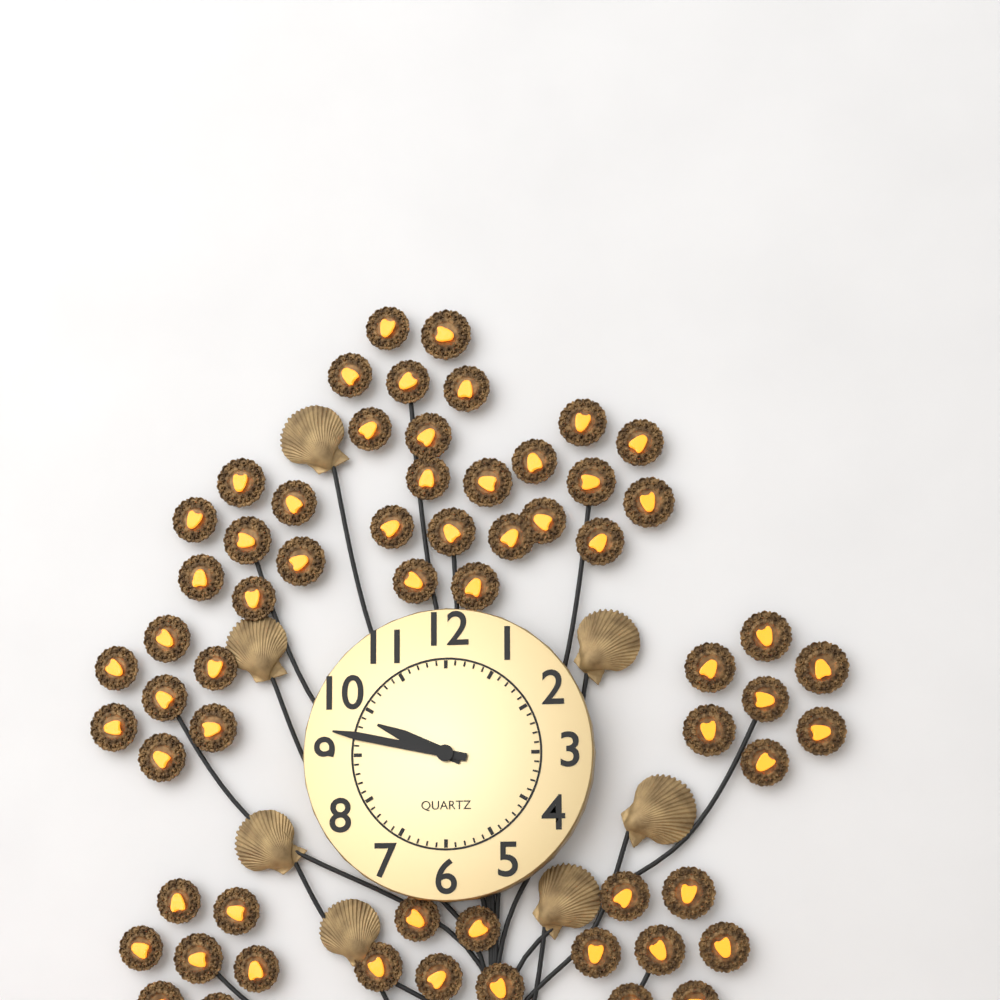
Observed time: 9:47
